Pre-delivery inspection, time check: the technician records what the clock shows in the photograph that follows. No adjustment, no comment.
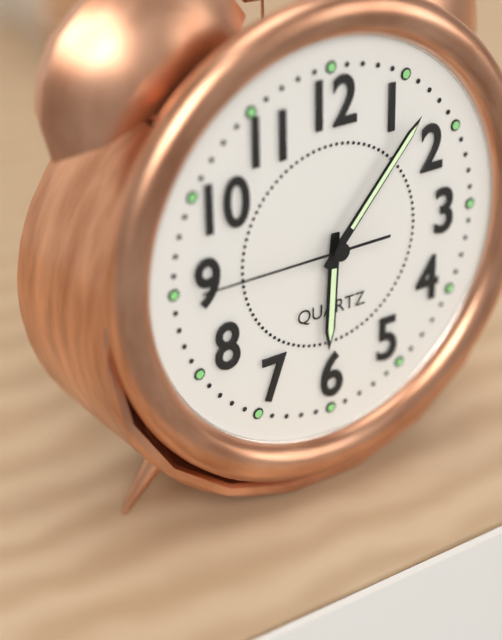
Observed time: 6:07:45
